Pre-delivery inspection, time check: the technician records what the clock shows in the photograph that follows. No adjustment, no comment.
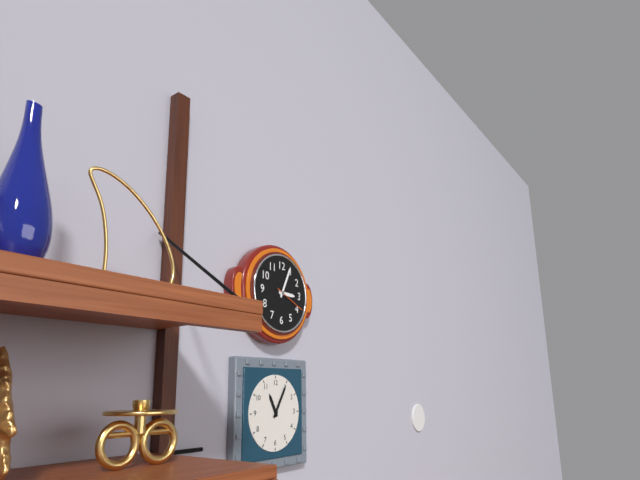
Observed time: 3:04
